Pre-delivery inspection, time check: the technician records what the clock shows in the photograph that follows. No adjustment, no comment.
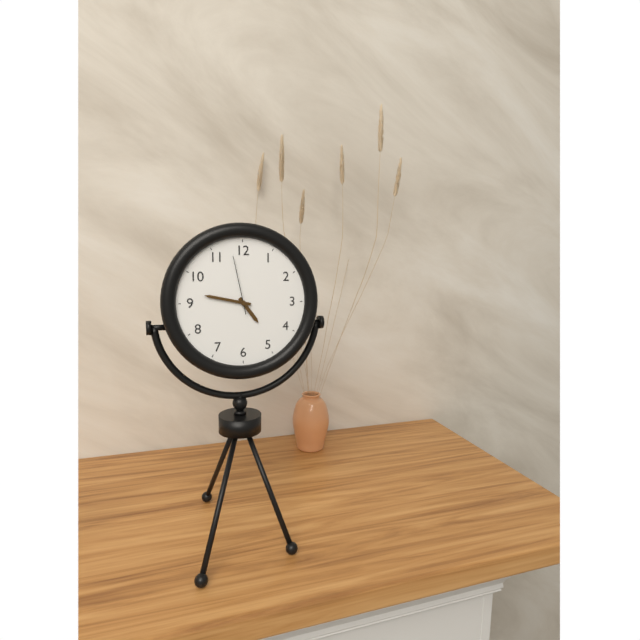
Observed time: 4:47:58
